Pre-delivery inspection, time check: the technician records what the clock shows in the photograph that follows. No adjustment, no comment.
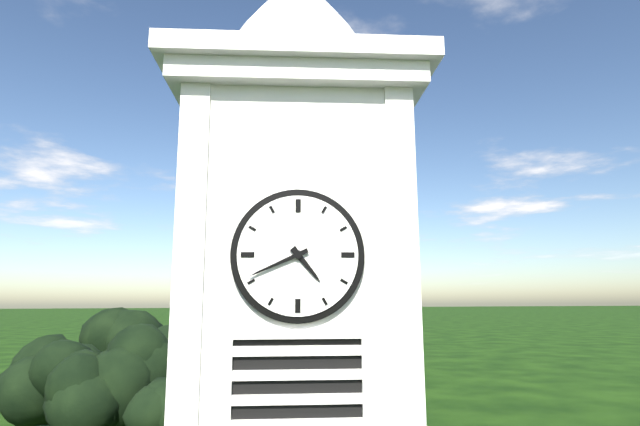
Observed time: 4:41
